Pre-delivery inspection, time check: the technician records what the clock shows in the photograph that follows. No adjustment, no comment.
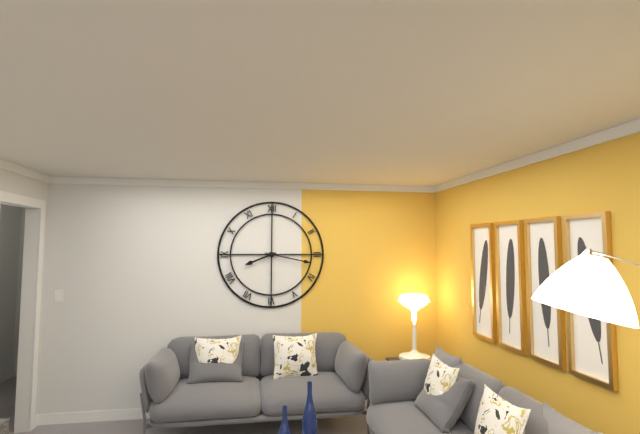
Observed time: 8:17
